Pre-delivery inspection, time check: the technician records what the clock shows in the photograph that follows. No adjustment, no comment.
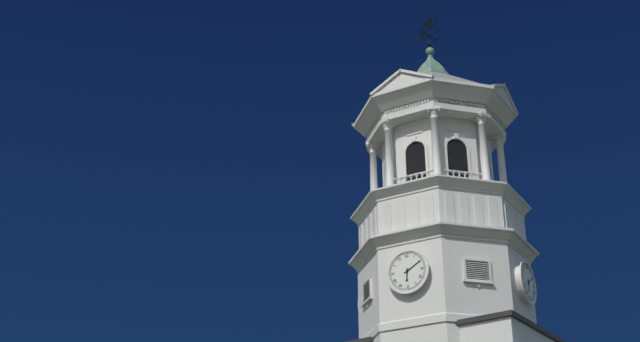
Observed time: 6:10
